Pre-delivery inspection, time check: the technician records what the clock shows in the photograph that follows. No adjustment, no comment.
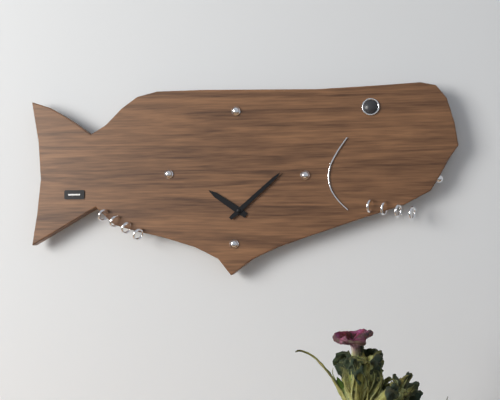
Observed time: 10:08
